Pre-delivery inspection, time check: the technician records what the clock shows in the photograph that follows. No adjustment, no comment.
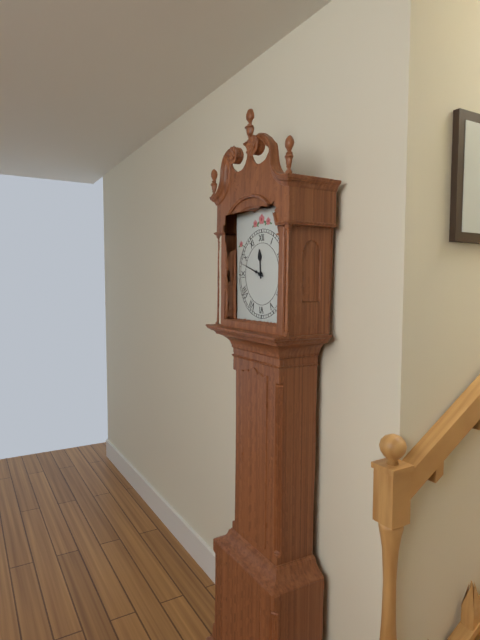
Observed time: 11:48
